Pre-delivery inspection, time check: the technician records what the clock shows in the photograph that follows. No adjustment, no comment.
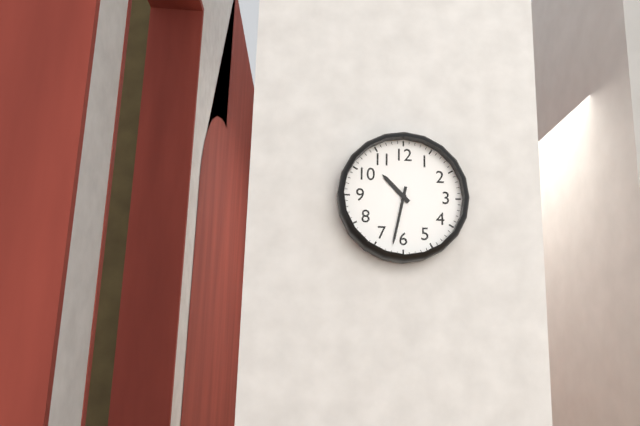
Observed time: 10:32
